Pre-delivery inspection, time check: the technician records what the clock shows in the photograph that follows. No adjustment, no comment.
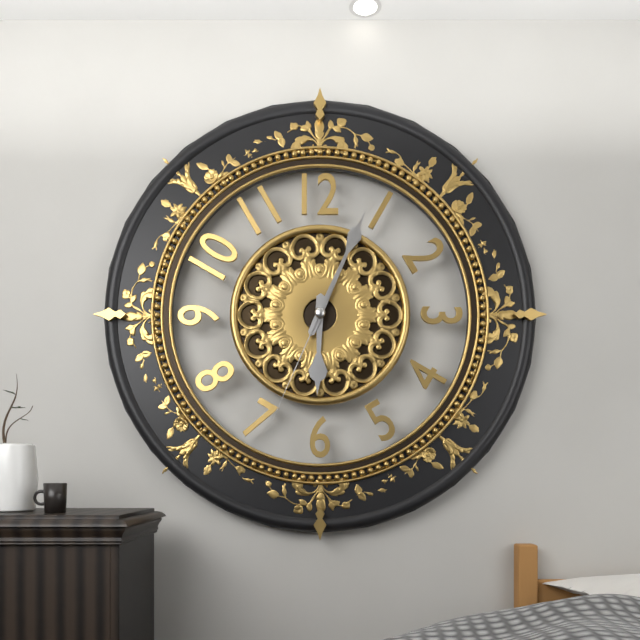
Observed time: 6:04:34
